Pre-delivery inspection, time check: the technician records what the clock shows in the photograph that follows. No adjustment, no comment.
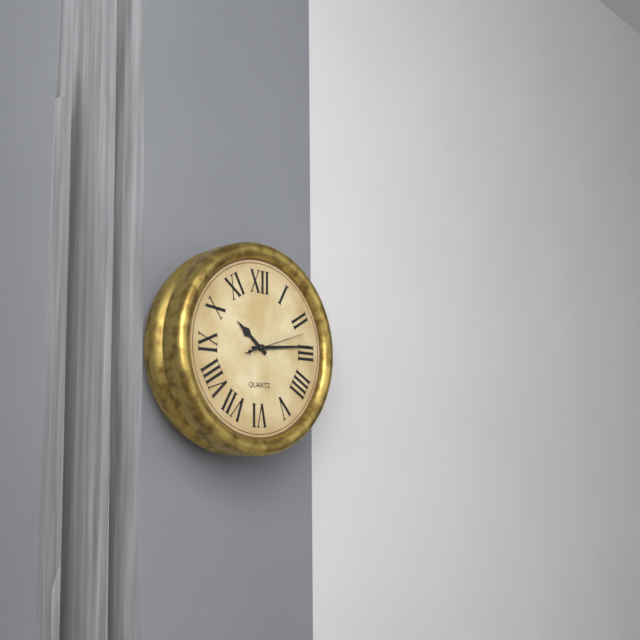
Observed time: 10:14:12
